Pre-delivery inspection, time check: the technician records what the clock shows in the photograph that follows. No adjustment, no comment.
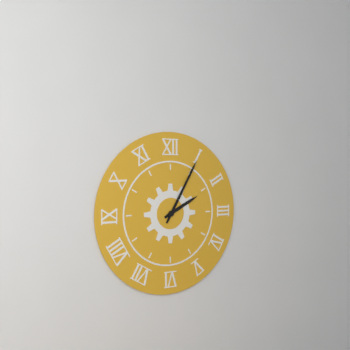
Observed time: 2:05
